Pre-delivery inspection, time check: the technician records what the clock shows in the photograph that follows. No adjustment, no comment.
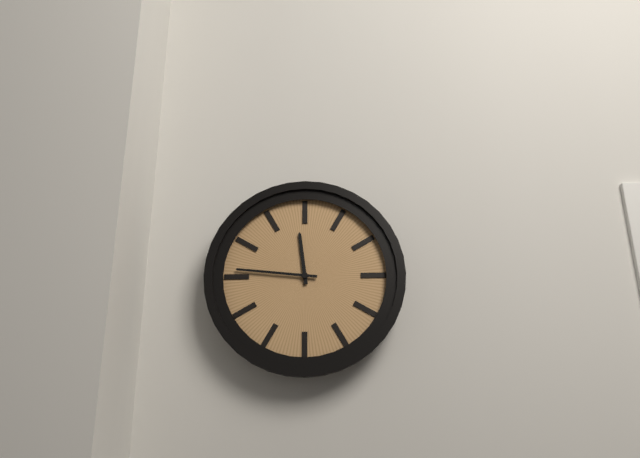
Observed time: 11:46
